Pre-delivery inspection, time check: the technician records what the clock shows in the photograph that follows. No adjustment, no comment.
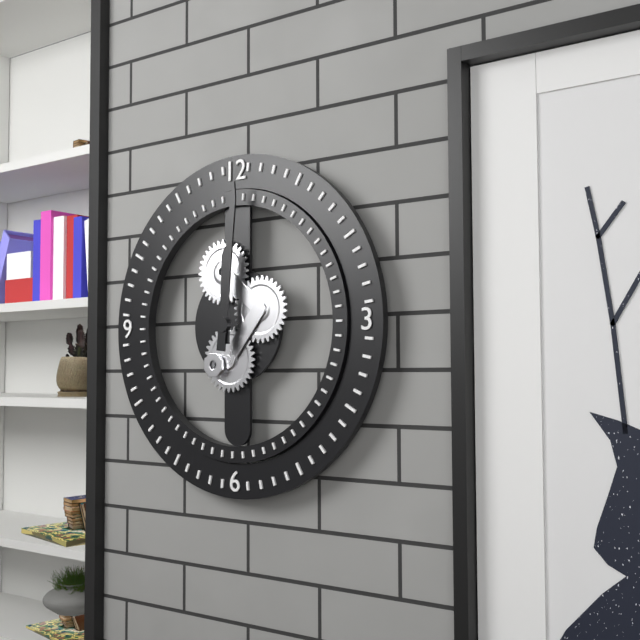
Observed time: 12:01
